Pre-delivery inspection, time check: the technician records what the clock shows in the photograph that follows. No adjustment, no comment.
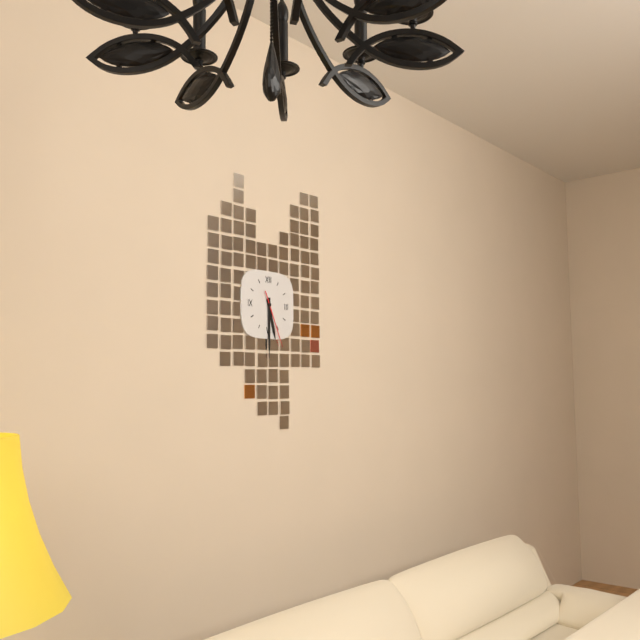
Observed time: 5:30:26
